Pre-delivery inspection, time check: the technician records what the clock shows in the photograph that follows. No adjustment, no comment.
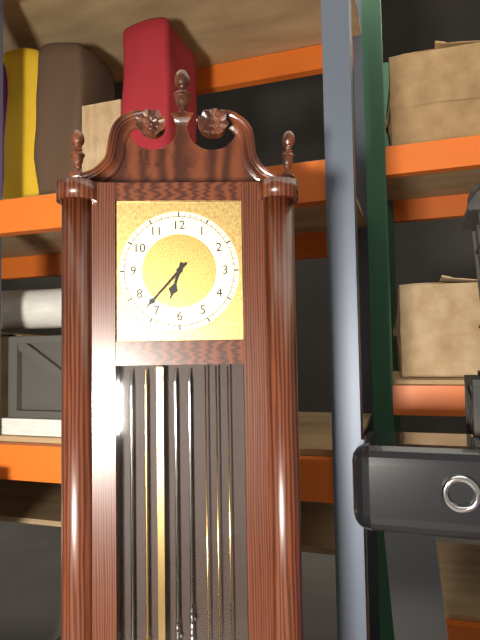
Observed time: 6:37
